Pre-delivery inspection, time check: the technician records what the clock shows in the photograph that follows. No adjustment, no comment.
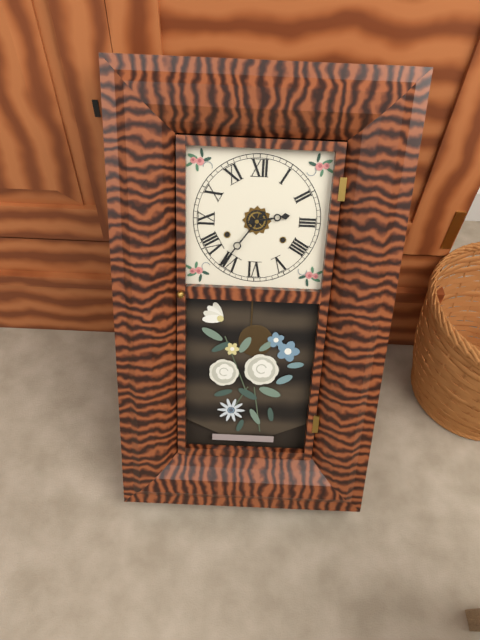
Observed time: 2:36
